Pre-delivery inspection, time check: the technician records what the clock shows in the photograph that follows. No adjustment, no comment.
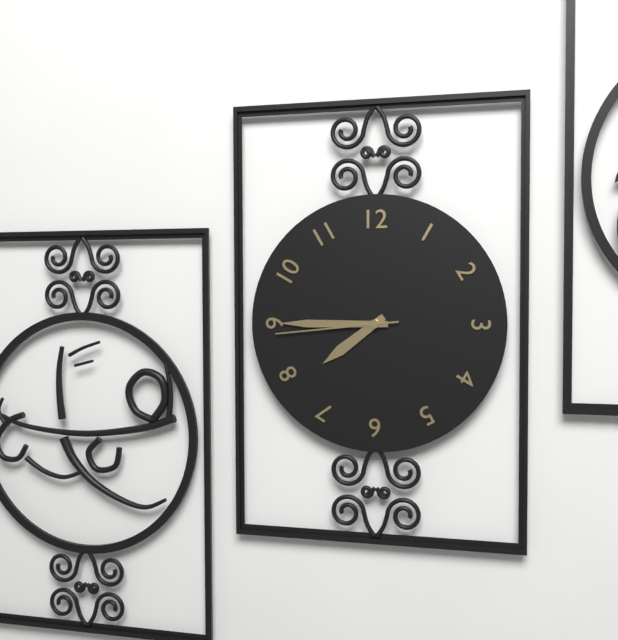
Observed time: 7:45:44
